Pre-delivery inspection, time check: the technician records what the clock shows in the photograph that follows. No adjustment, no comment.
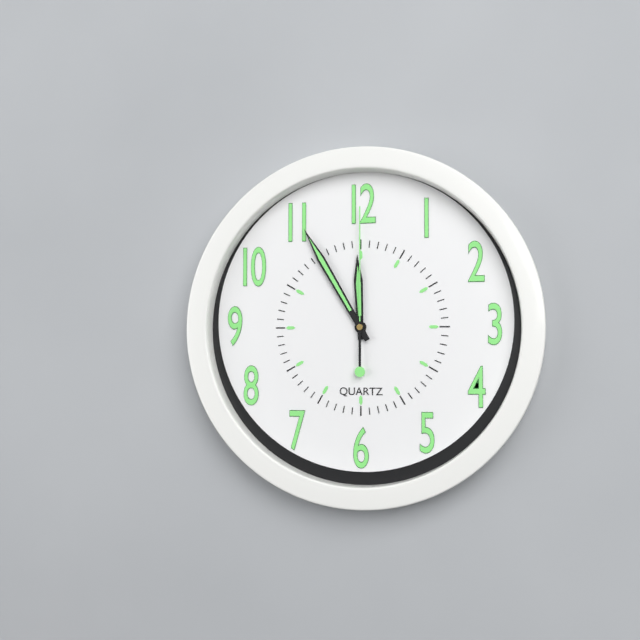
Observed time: 11:55:00
